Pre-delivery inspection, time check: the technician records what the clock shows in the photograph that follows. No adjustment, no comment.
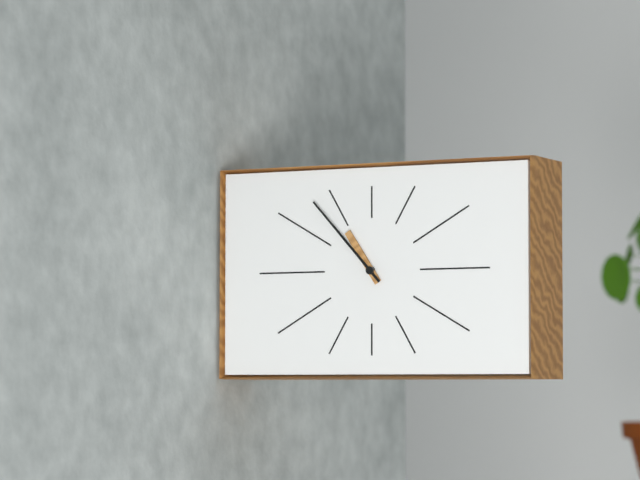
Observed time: 10:53
